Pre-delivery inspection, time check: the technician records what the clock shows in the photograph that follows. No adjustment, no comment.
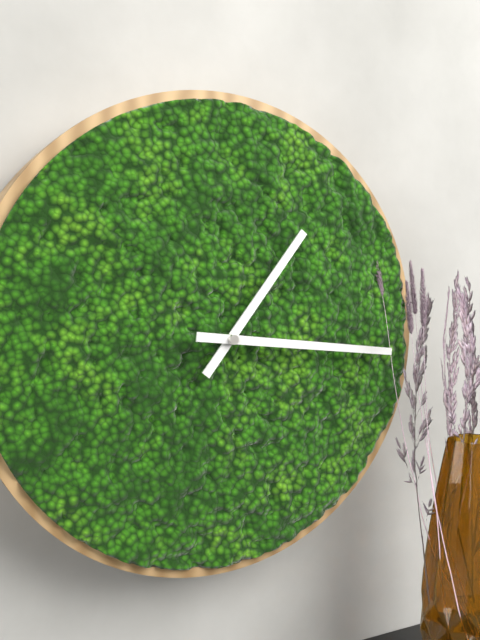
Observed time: 1:16
